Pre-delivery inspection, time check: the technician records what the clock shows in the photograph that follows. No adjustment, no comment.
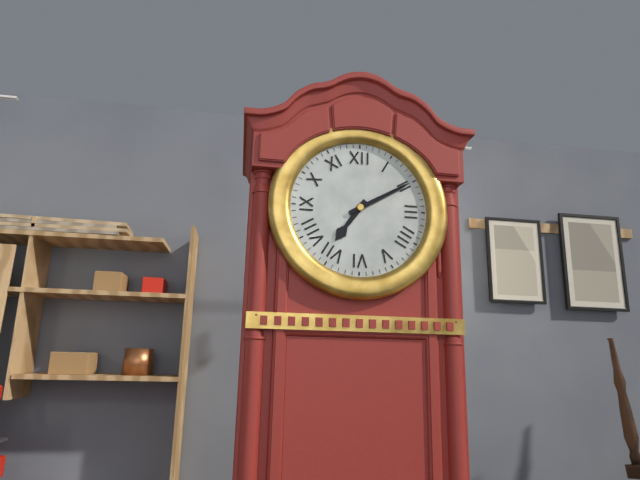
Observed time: 7:10
